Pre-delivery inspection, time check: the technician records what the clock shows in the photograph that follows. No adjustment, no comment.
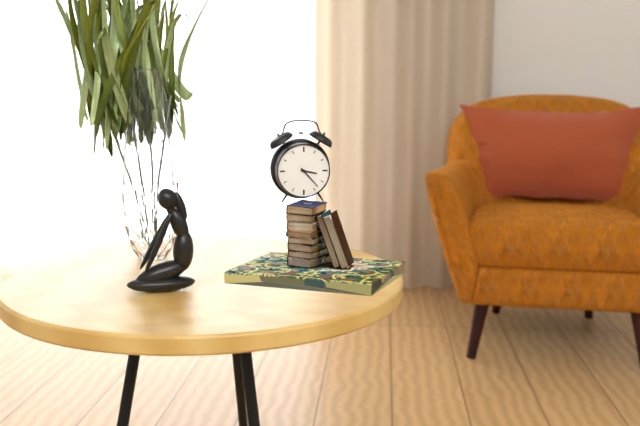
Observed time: 3:23
